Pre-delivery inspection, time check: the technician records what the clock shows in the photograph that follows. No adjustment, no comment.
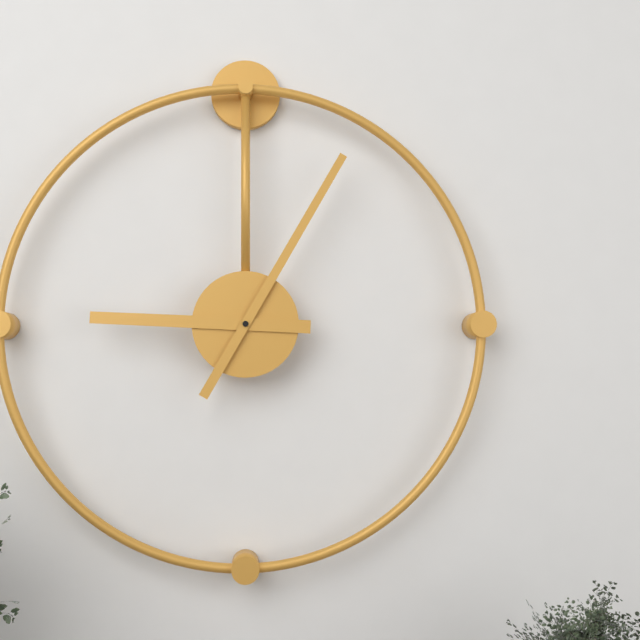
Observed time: 9:05
